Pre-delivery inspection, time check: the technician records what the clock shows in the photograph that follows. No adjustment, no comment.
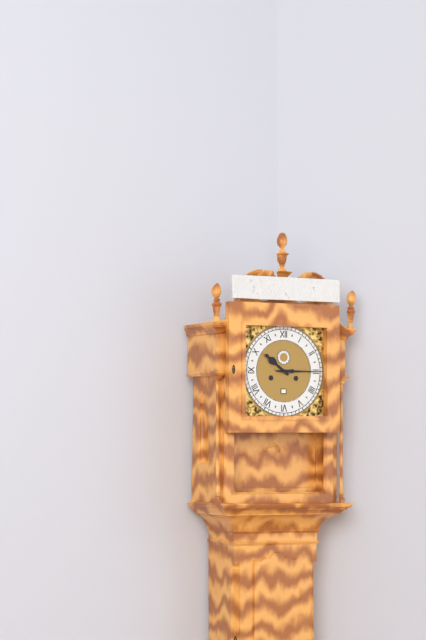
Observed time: 10:15
